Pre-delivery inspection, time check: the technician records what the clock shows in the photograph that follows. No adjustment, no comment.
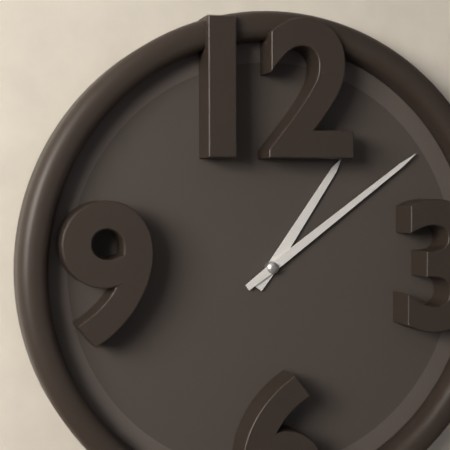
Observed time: 1:09
